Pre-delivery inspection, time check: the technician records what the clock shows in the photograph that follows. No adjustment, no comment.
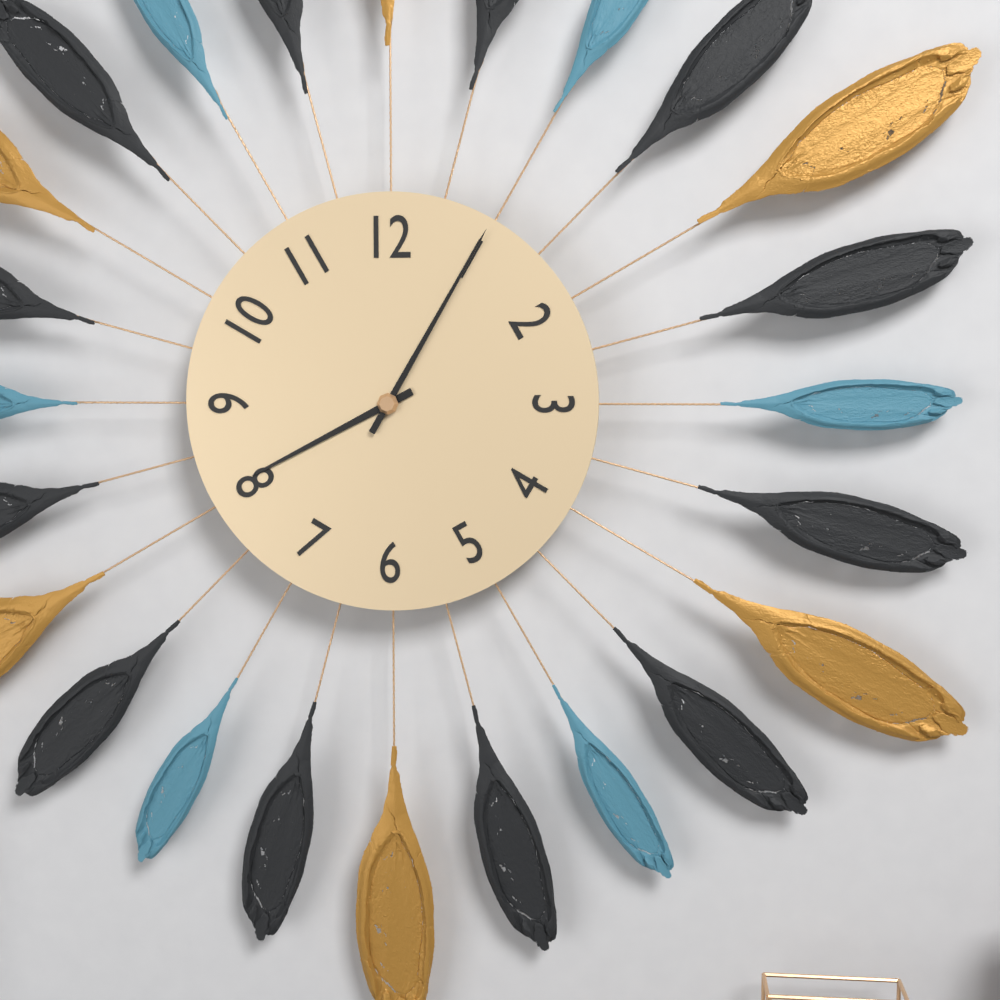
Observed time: 8:05
